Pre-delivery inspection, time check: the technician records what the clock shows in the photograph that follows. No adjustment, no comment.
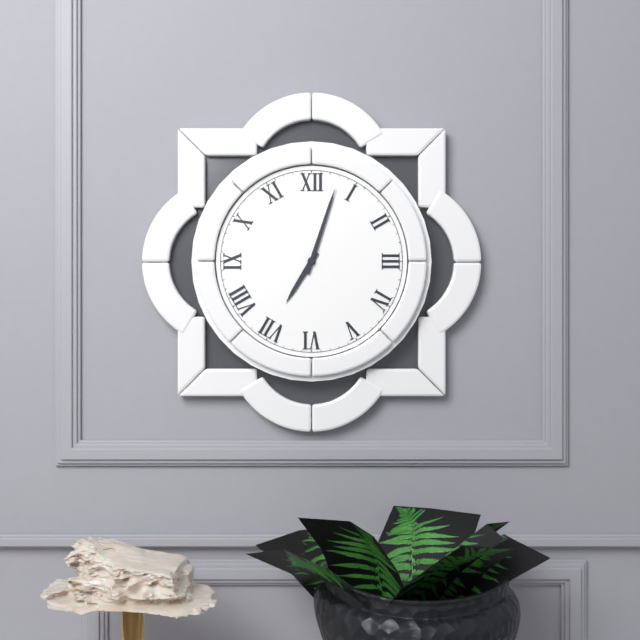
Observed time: 7:03
